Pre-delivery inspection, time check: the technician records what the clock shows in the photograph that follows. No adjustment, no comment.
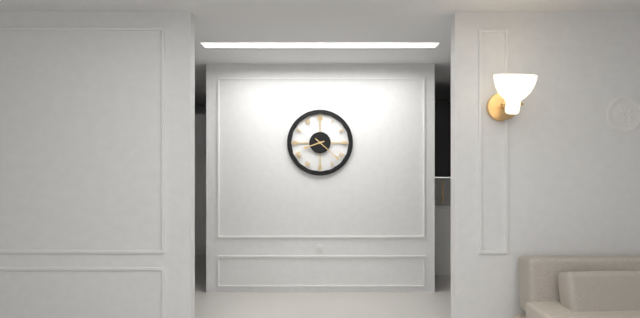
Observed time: 8:22
